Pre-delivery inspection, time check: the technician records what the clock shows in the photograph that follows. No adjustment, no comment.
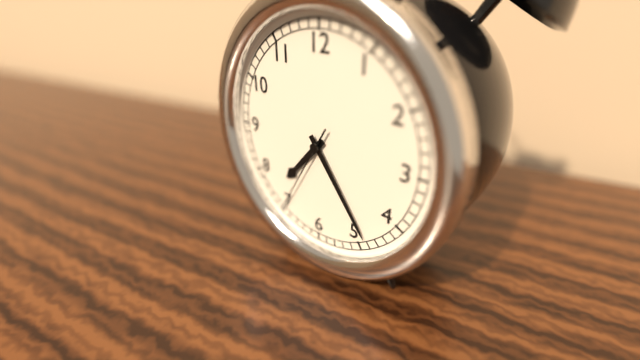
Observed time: 7:24:35
